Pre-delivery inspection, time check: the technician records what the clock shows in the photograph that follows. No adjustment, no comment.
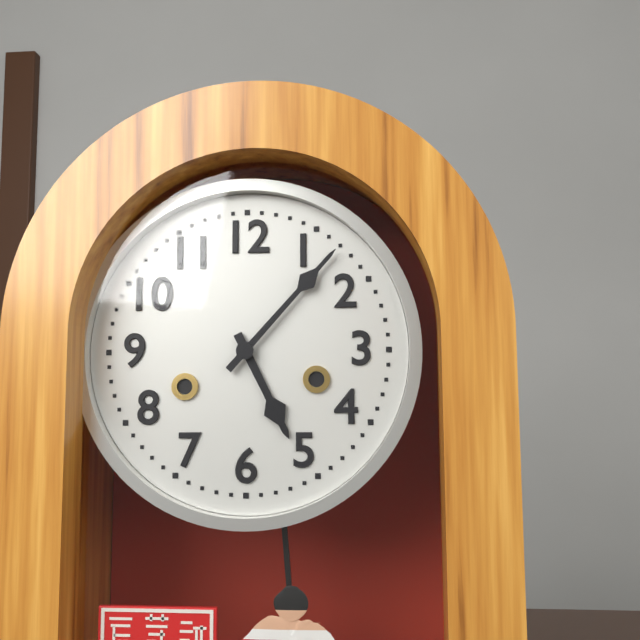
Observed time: 5:07
